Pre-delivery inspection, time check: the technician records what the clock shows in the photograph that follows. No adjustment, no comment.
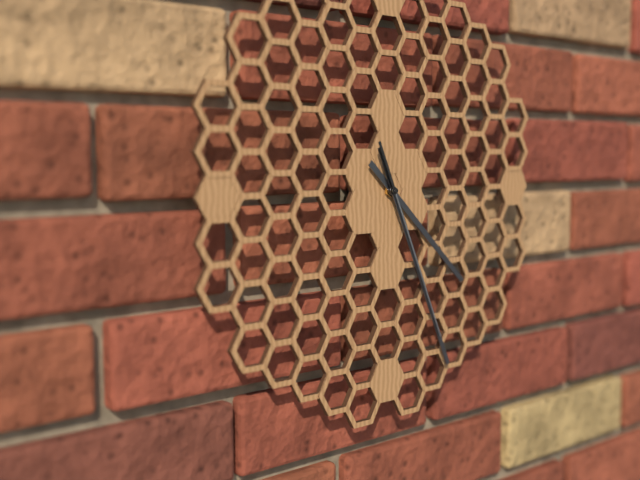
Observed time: 4:26:26
